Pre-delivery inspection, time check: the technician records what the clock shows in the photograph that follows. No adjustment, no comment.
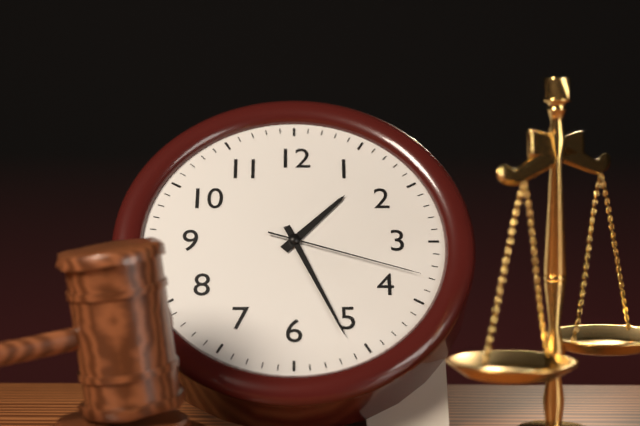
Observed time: 1:26:18
